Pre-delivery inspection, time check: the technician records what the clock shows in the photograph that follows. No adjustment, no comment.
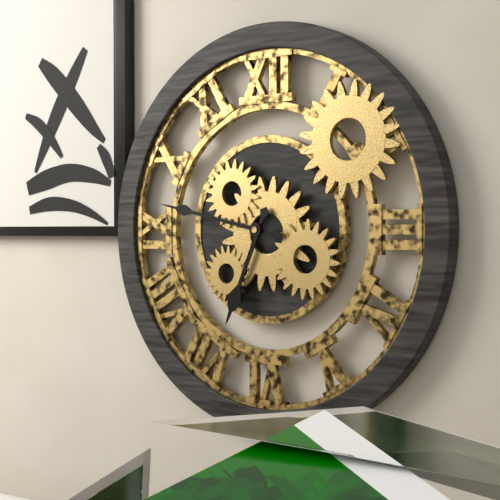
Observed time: 6:47
